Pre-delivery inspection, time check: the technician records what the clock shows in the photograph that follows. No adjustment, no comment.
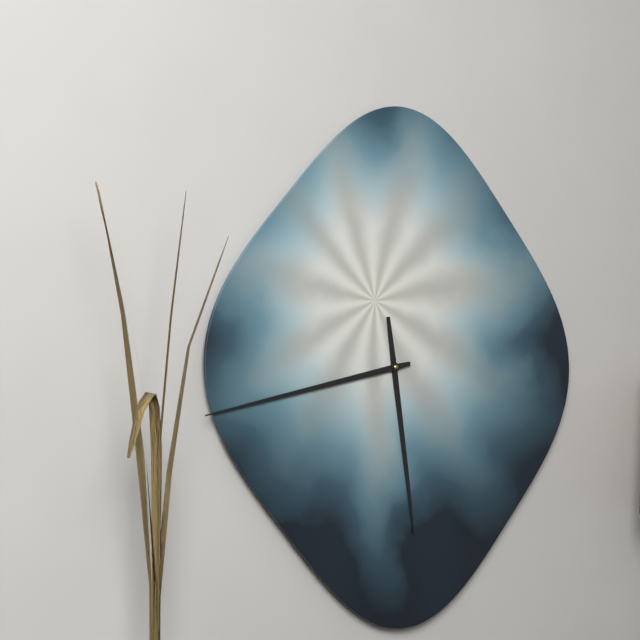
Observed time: 5:43
